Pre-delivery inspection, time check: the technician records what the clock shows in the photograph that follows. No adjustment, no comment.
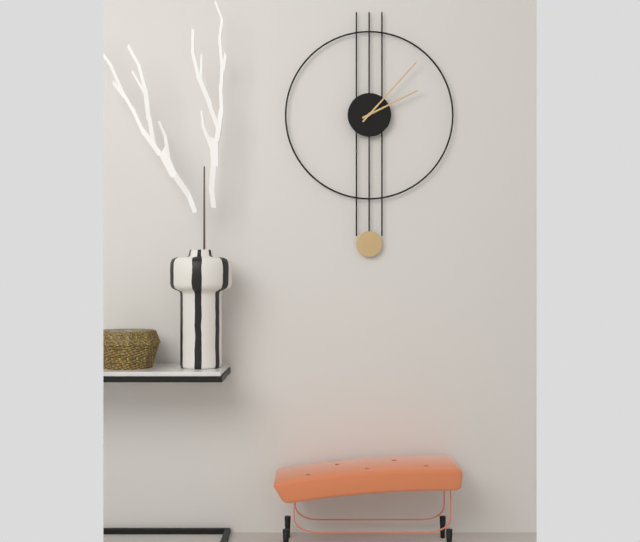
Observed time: 2:07
